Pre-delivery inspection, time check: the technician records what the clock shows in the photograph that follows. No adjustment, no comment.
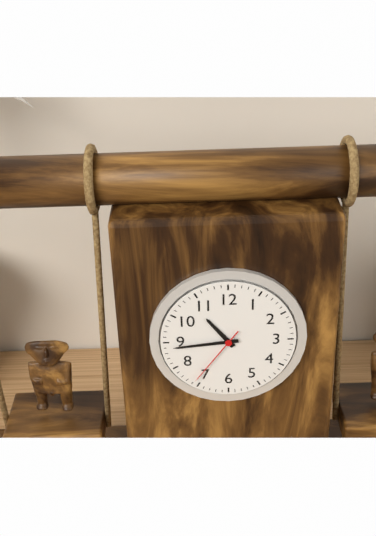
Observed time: 10:44:36
